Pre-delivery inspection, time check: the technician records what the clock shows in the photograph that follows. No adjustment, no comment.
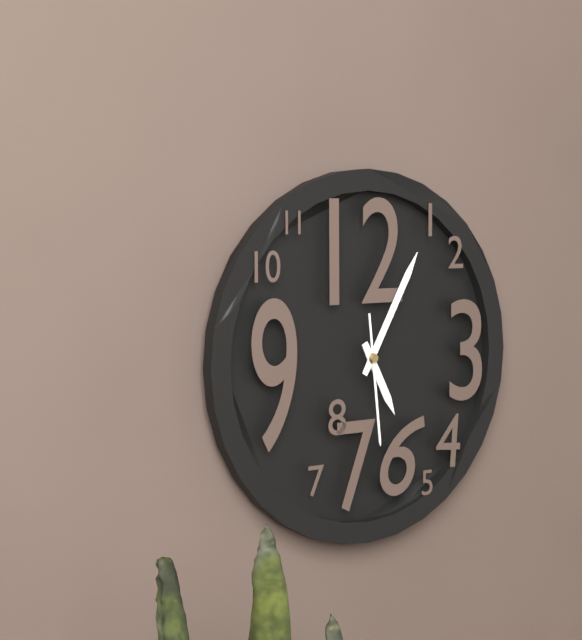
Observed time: 5:05:29
